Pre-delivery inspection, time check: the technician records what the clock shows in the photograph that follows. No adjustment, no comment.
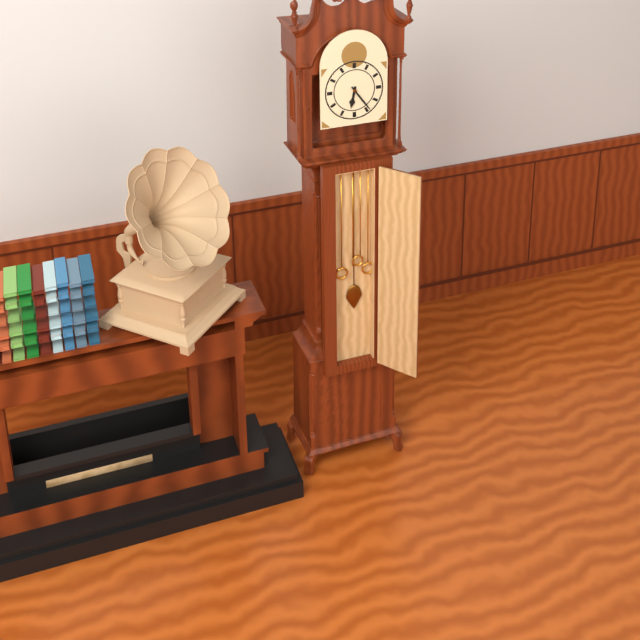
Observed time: 6:24
